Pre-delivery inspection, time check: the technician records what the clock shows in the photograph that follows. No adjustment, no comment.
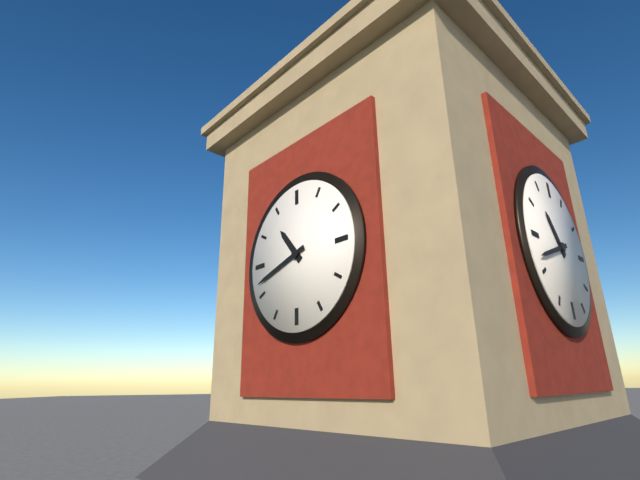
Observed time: 10:42
